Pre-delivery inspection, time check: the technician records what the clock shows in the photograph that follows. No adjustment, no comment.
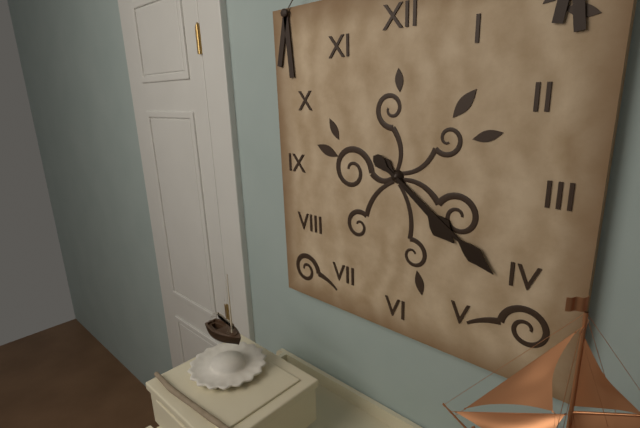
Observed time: 4:21
